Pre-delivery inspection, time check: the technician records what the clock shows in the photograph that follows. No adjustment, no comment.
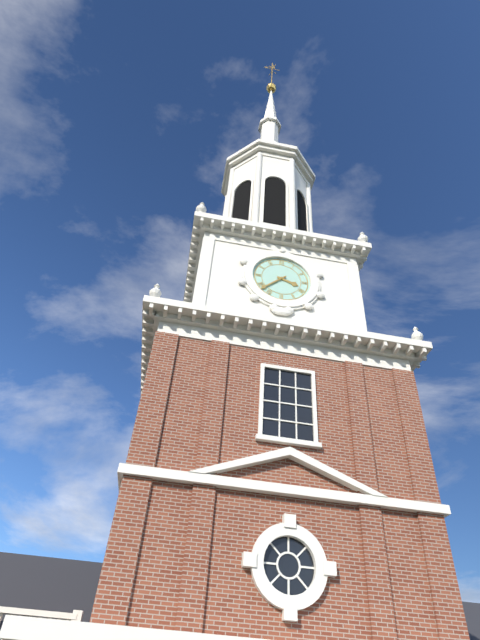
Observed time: 3:38
